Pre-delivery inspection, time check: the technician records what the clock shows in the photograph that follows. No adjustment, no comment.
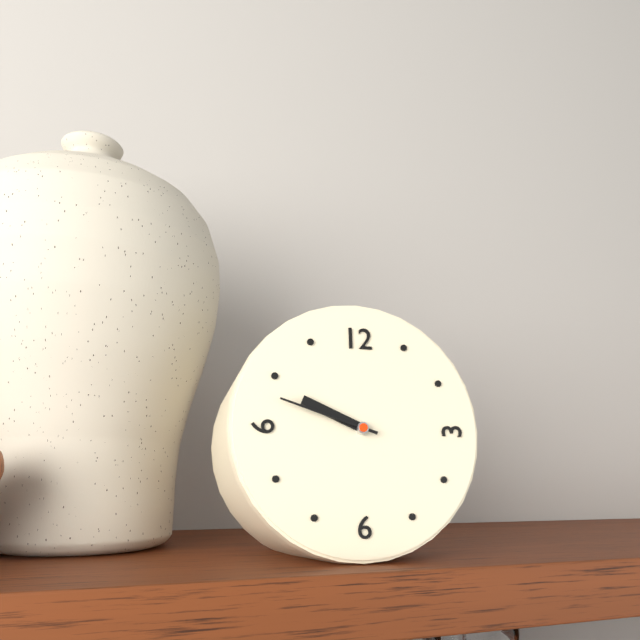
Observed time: 9:48
